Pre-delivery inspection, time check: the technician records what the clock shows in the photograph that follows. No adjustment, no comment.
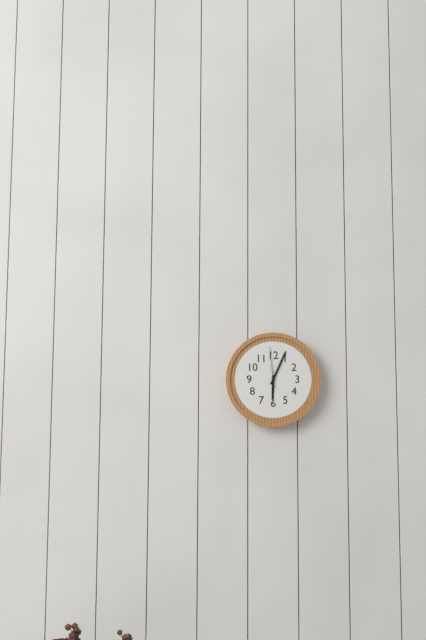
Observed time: 6:04
